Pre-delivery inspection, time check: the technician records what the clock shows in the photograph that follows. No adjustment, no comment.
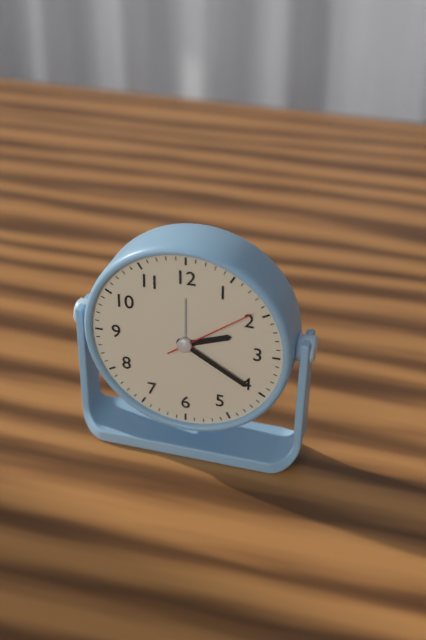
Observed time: 2:20:09
